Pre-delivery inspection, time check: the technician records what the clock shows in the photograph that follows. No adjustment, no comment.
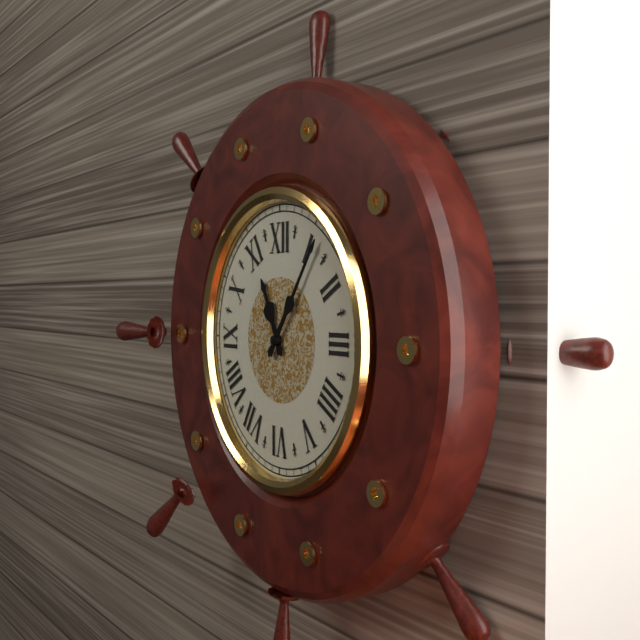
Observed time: 11:06
